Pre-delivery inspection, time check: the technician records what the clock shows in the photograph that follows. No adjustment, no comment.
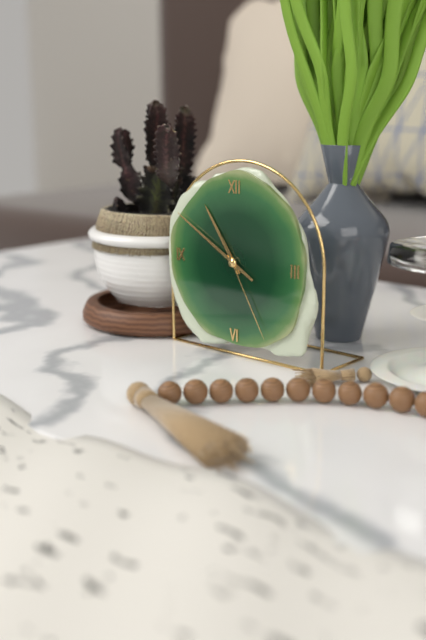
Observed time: 10:50:25
